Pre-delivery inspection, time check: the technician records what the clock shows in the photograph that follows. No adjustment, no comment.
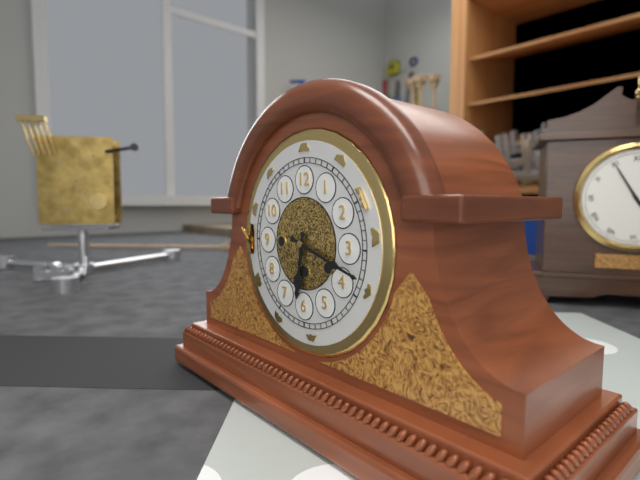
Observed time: 6:18
